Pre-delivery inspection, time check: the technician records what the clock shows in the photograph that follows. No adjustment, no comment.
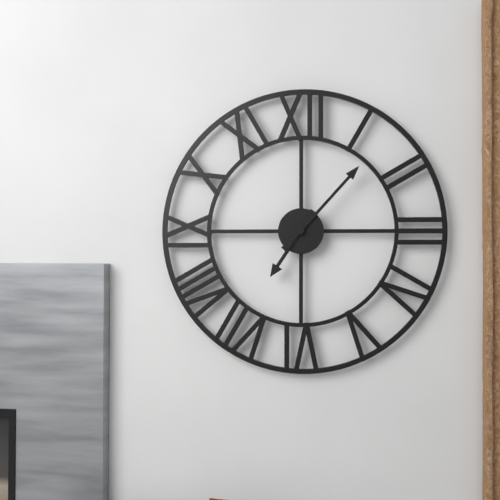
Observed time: 7:07
